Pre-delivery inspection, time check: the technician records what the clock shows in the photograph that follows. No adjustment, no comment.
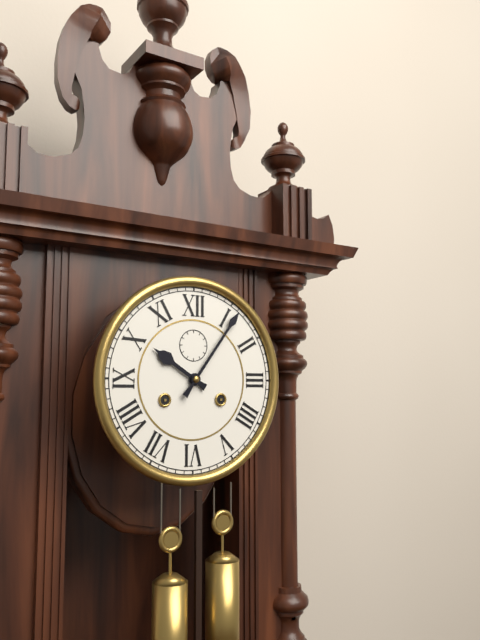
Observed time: 10:06
